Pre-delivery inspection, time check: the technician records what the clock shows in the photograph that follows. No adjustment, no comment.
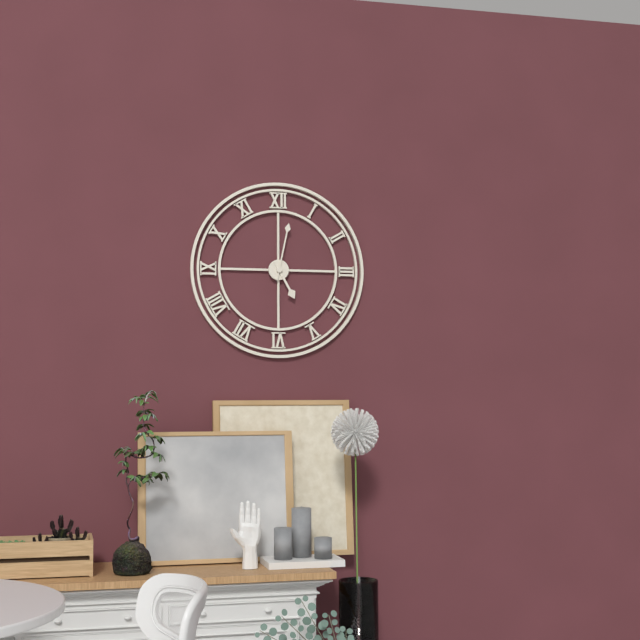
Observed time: 5:02
